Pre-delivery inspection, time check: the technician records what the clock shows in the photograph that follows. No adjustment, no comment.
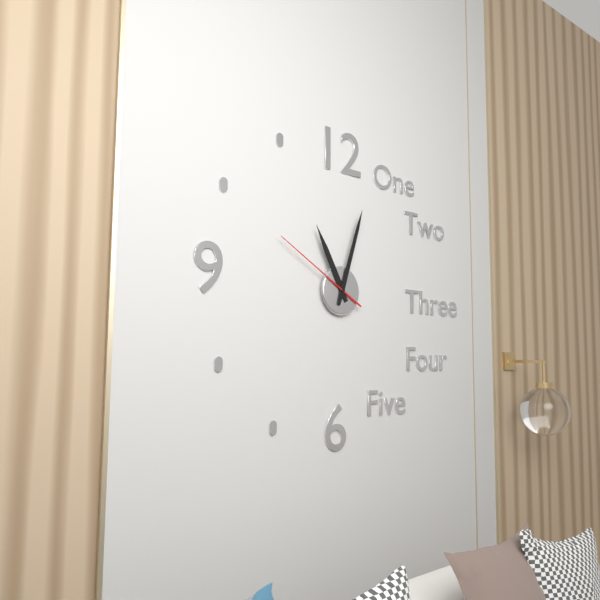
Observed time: 11:03:50
